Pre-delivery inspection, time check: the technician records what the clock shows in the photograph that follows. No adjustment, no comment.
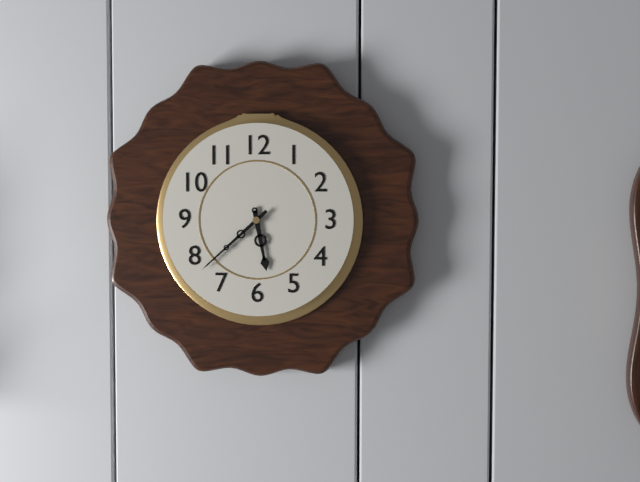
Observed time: 5:38
